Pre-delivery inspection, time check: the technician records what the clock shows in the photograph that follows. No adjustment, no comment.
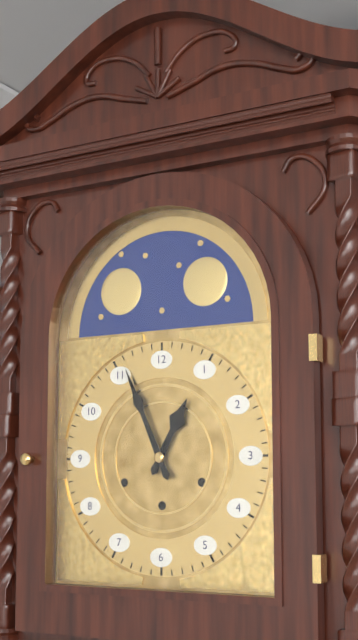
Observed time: 12:56
